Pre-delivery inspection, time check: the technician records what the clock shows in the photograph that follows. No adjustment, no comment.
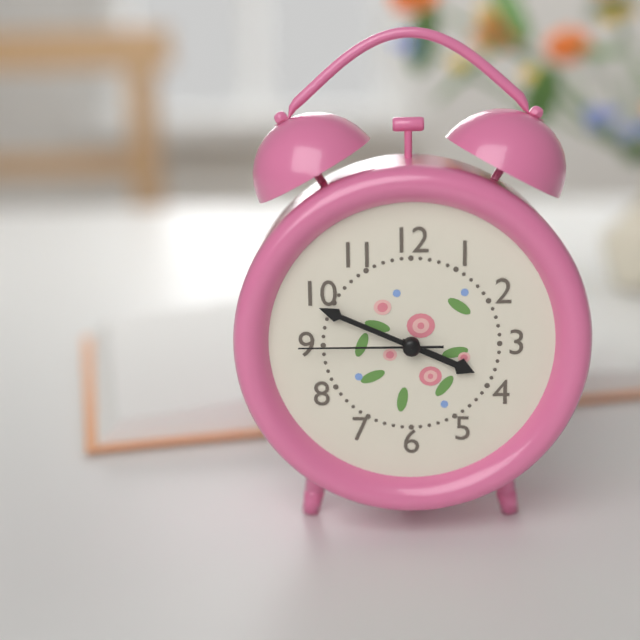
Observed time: 3:49:45
